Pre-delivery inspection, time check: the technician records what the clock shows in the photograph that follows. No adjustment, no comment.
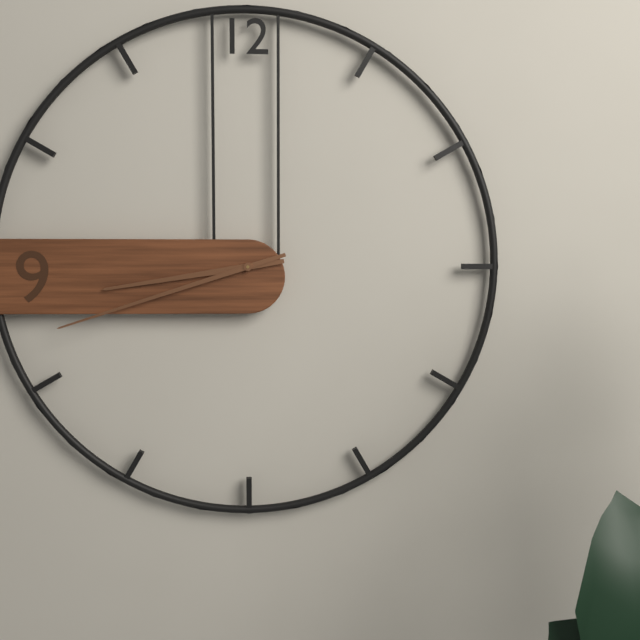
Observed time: 8:42
